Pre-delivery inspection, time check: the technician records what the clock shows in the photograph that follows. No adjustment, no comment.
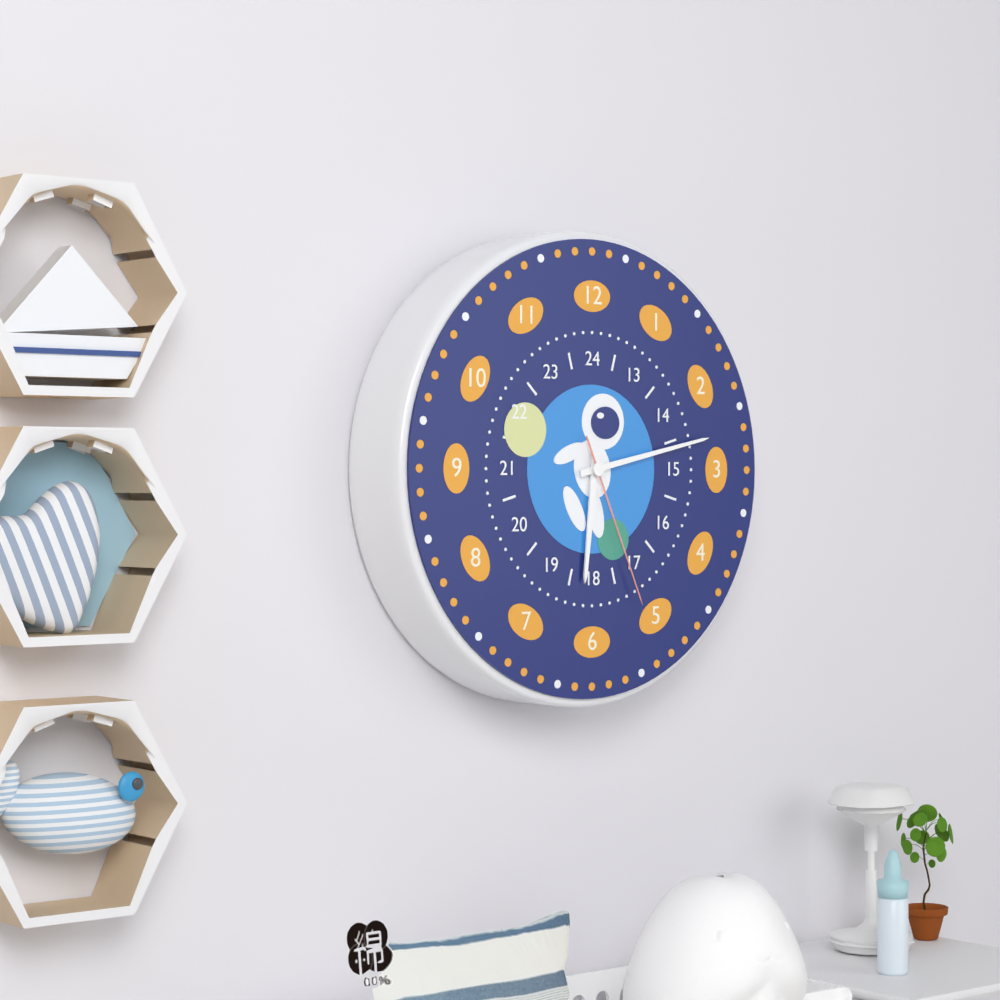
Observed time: 6:13:26
